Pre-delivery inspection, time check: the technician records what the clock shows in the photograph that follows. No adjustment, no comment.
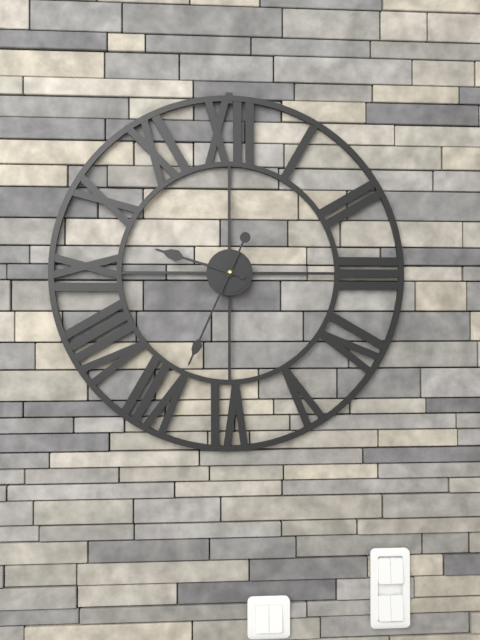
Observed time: 9:34
